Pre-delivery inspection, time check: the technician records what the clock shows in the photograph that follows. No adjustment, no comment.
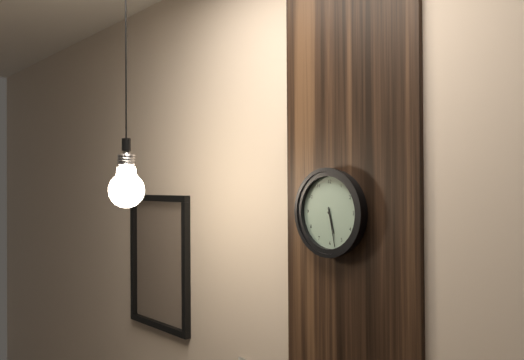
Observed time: 5:28
